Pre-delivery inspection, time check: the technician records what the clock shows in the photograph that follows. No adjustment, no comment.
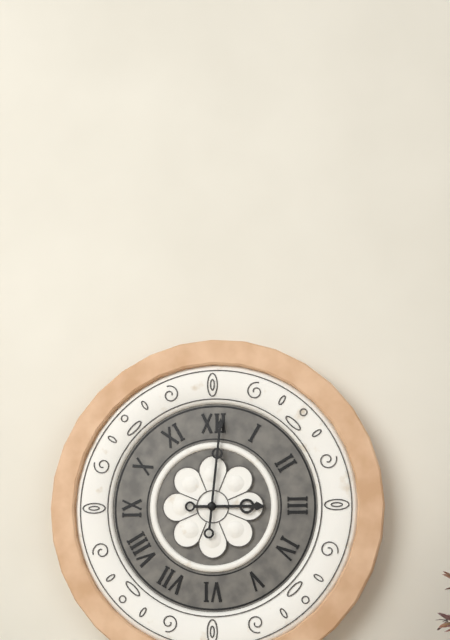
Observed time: 3:01
